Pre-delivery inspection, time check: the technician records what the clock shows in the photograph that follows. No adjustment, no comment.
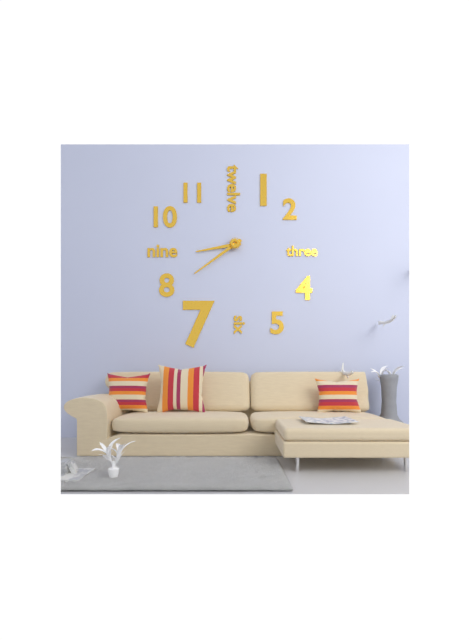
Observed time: 8:39
